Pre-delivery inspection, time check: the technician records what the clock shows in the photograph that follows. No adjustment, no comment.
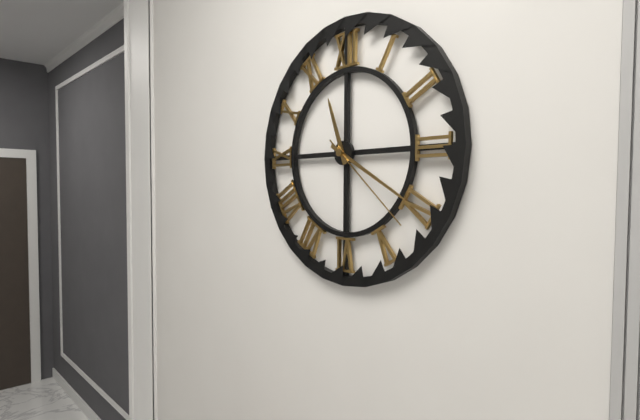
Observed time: 11:20:22
